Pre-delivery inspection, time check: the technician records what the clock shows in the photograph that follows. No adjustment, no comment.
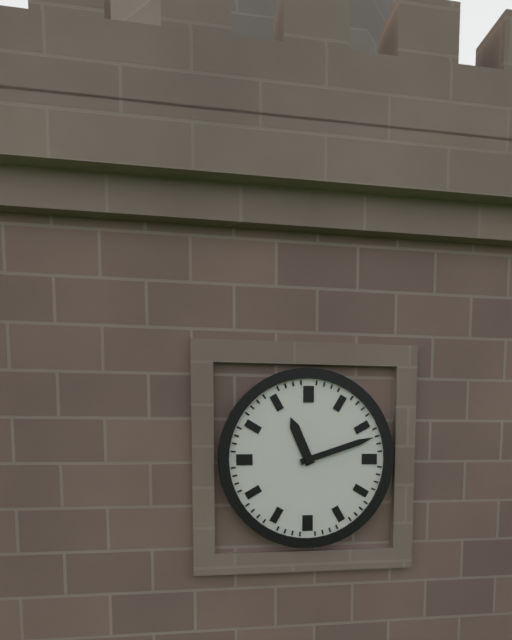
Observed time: 11:12
